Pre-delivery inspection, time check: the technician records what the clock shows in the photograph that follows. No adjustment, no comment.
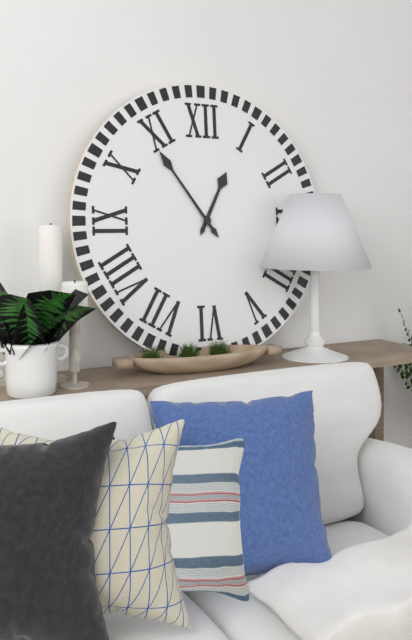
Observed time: 12:54
